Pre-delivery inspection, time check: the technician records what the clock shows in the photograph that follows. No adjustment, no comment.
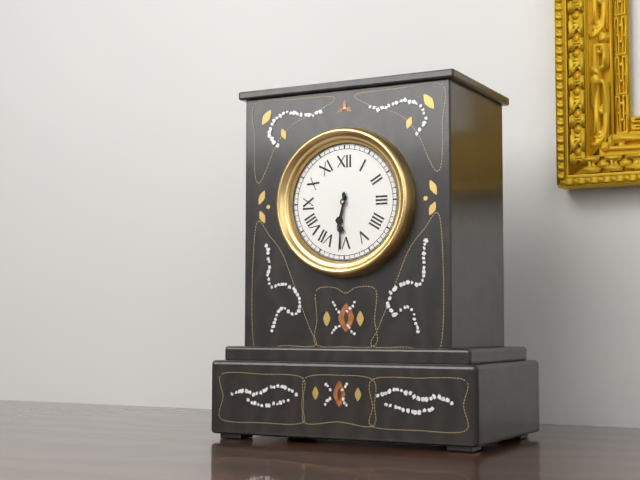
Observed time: 6:31
